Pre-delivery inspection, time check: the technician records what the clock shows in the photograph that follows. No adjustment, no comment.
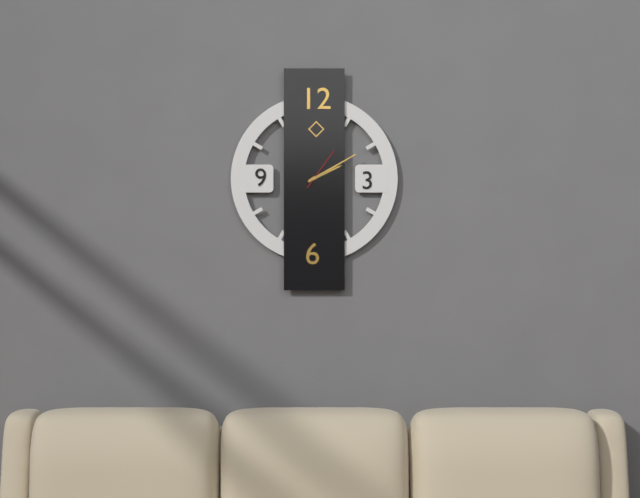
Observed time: 2:10
